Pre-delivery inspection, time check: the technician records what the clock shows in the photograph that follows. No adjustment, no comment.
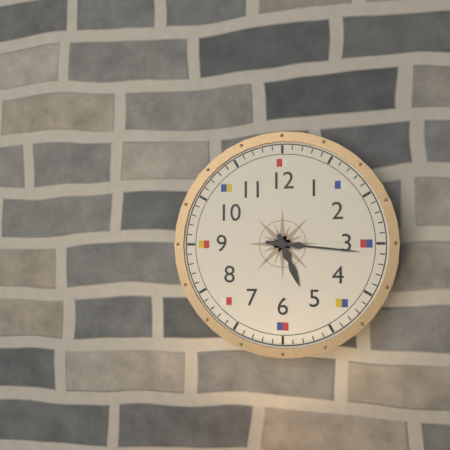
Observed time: 5:16
